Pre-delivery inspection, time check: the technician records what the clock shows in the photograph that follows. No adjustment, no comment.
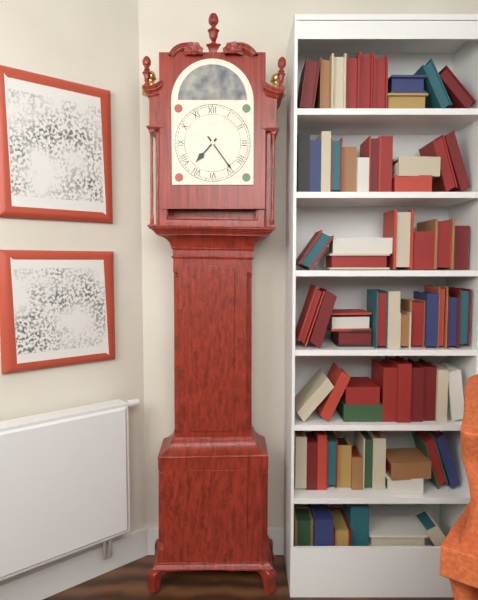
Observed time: 7:24
